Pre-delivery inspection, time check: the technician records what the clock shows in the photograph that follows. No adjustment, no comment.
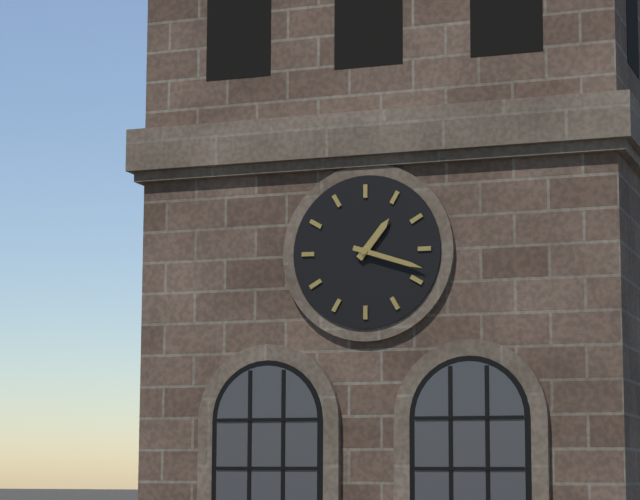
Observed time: 1:18
